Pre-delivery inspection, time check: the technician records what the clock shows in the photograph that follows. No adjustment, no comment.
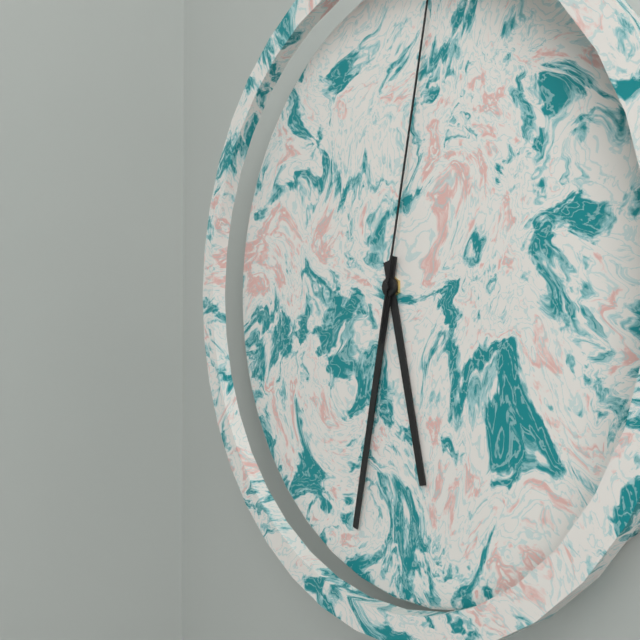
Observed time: 5:32
